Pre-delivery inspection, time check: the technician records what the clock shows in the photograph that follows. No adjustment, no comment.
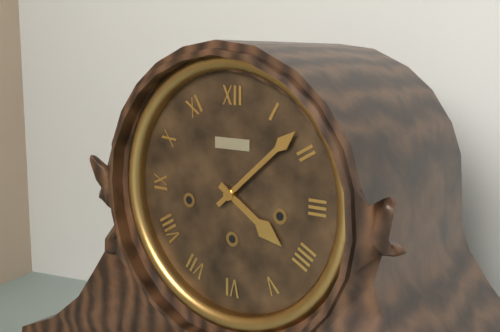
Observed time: 4:08
